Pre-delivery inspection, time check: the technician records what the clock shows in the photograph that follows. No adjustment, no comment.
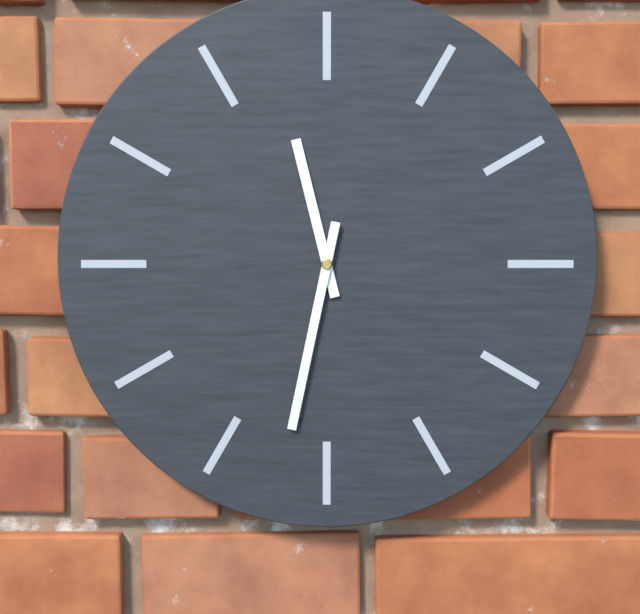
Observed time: 11:32
